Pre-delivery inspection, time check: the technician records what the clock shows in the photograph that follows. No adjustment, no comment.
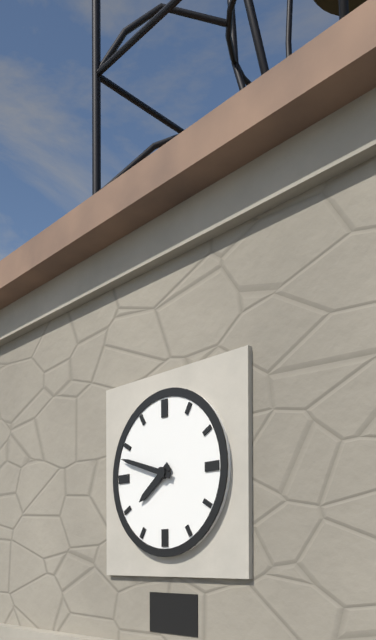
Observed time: 7:48
